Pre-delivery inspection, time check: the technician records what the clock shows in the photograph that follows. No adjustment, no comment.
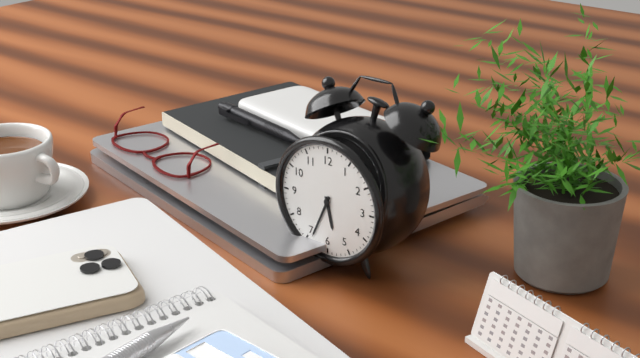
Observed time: 5:34
